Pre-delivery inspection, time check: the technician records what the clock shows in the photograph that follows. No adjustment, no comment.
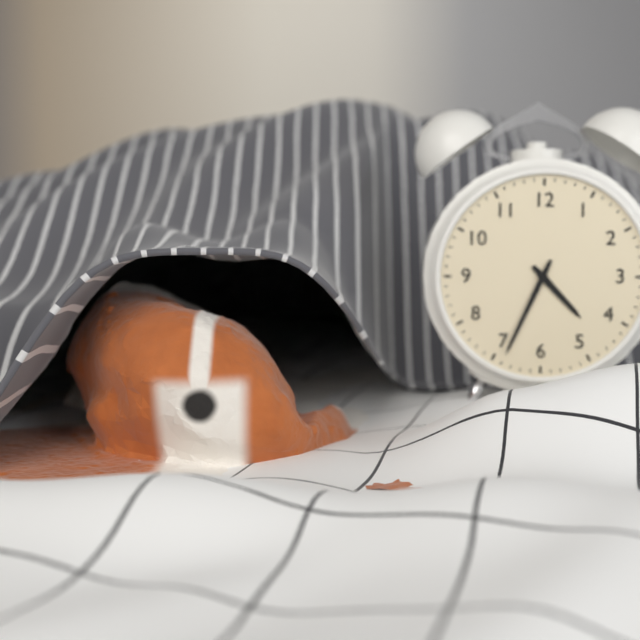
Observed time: 4:34
